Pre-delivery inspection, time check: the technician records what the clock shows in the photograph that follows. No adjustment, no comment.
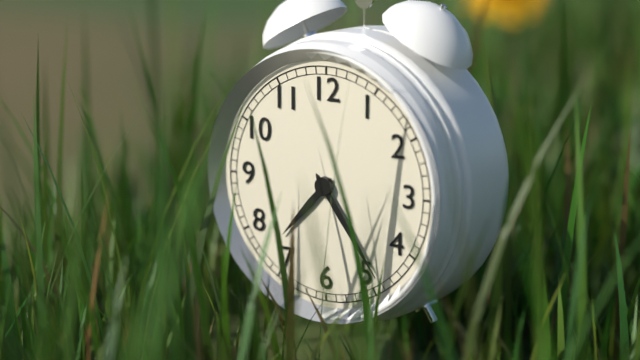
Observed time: 7:24
